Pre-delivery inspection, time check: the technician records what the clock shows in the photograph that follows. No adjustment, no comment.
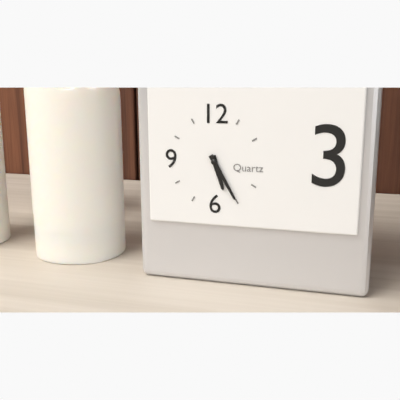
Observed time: 5:25
